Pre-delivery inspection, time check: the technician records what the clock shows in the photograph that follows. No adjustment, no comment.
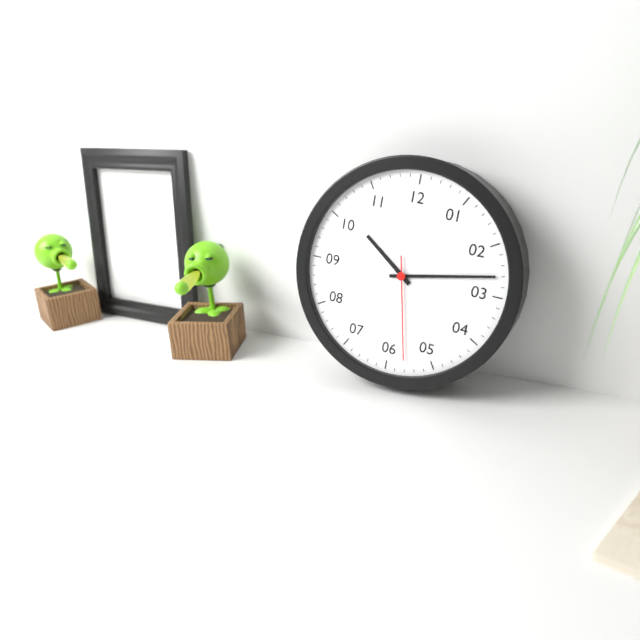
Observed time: 10:13:28
